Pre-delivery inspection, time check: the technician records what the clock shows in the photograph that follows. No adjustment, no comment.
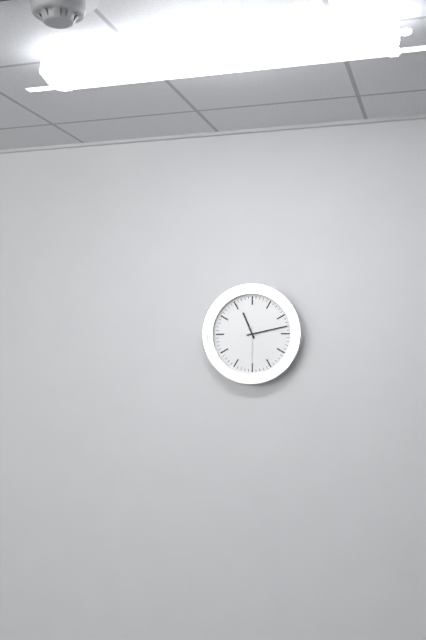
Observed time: 11:13
